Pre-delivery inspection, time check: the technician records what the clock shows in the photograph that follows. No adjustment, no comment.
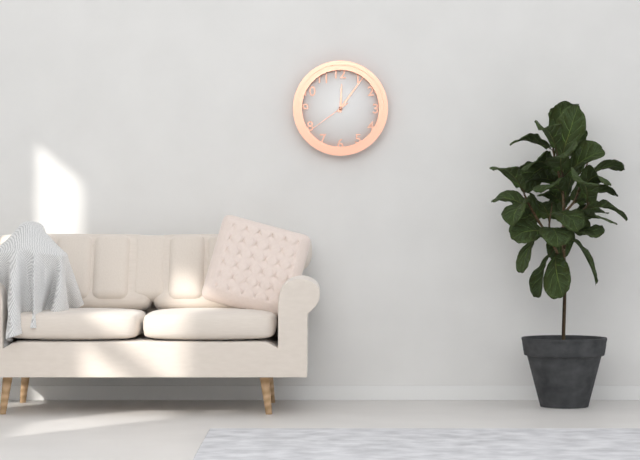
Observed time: 12:06
